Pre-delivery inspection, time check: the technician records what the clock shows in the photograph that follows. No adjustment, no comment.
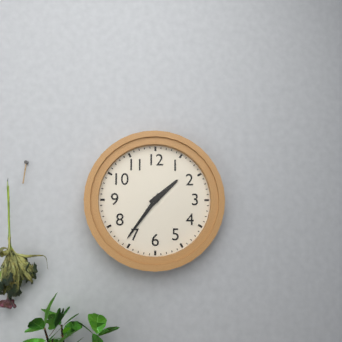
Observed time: 1:36
